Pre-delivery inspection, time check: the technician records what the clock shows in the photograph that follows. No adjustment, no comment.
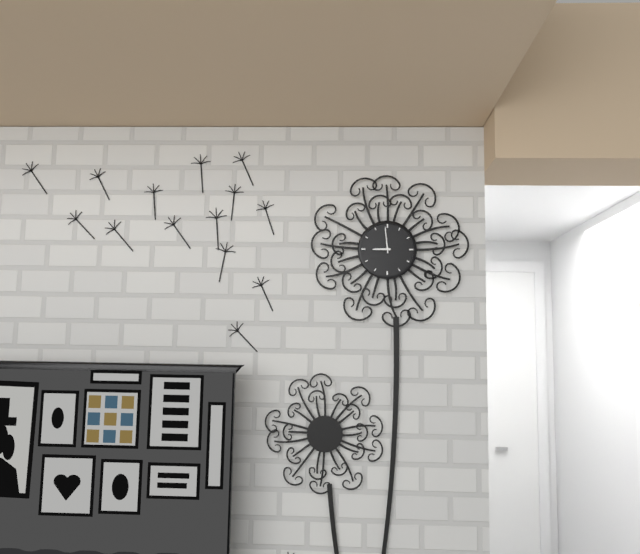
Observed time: 8:59
